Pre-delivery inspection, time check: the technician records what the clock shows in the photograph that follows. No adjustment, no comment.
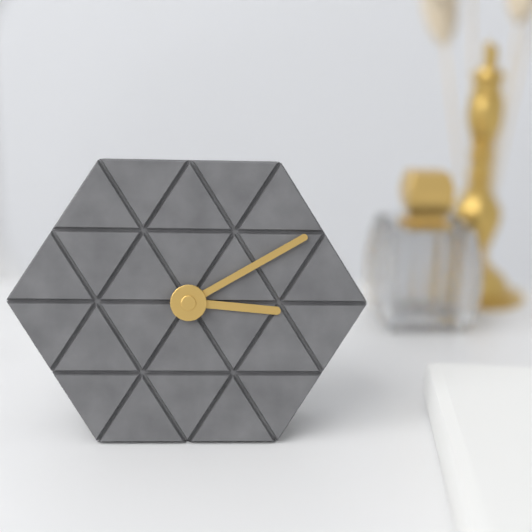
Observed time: 3:10
